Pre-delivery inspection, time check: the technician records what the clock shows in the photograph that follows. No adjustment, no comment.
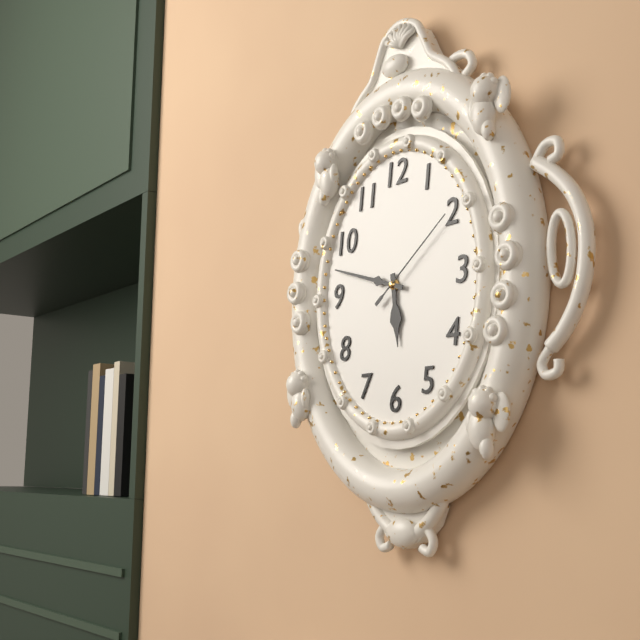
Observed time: 5:48:09
